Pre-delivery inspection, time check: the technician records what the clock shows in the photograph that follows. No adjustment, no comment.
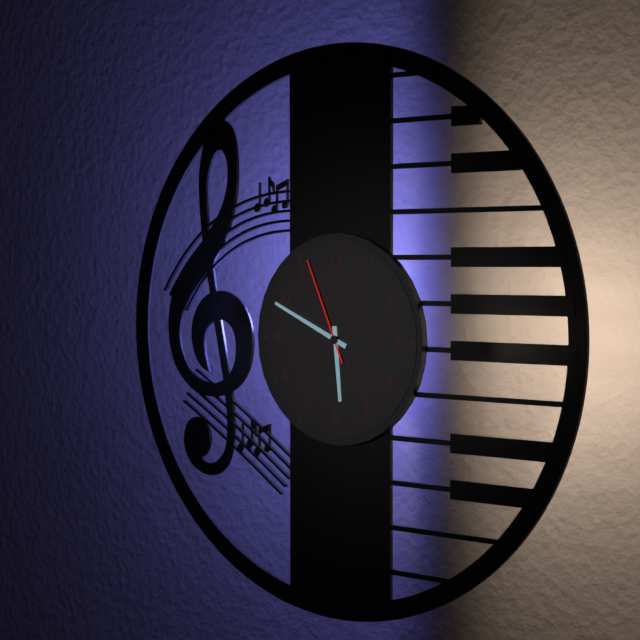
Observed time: 5:49:56
